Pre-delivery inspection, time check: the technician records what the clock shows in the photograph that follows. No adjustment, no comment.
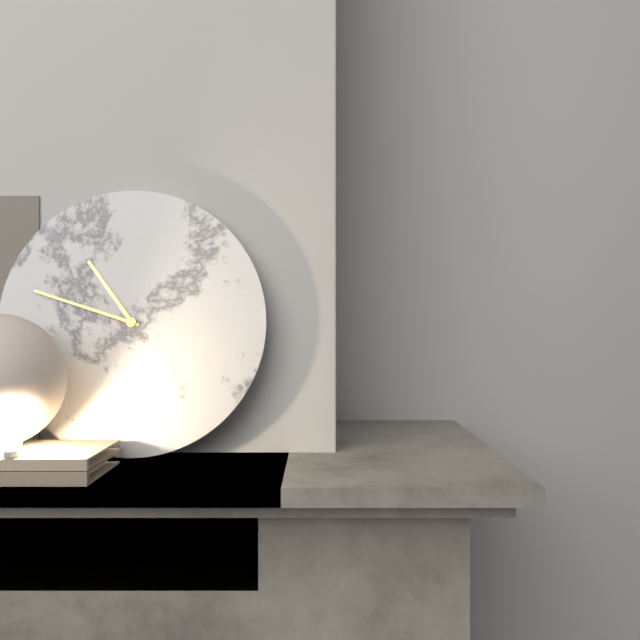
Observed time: 10:48
